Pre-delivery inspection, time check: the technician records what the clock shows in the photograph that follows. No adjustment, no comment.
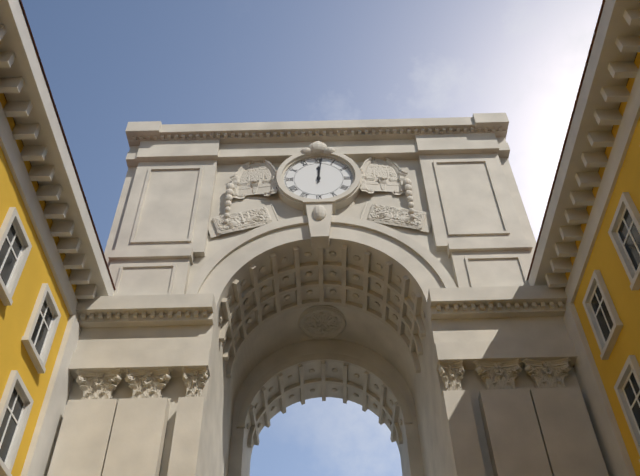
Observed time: 12:01
